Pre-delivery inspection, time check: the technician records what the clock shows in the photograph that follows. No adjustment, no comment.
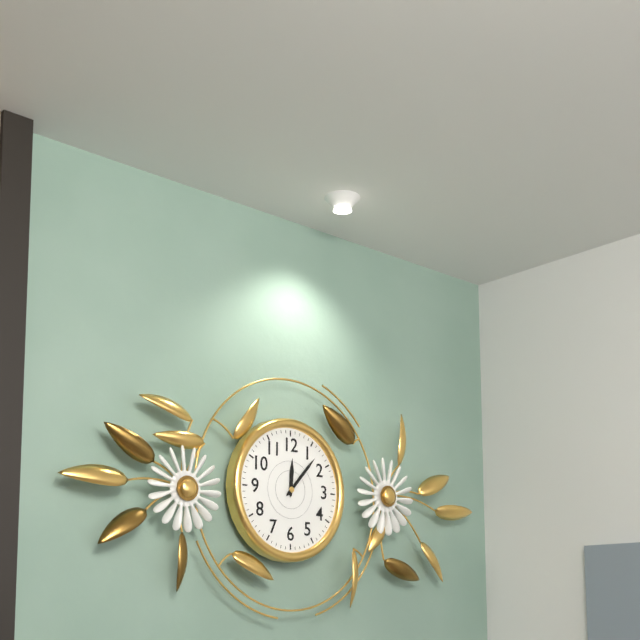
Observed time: 12:07
